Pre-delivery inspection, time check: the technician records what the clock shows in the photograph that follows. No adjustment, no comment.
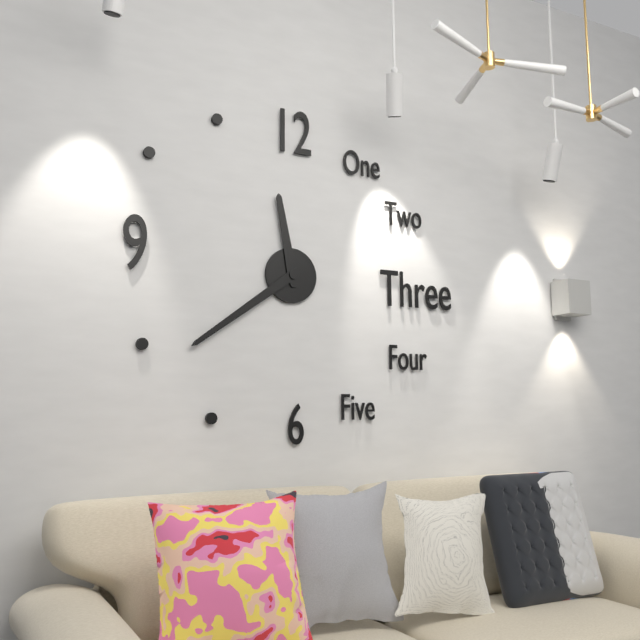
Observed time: 11:39
